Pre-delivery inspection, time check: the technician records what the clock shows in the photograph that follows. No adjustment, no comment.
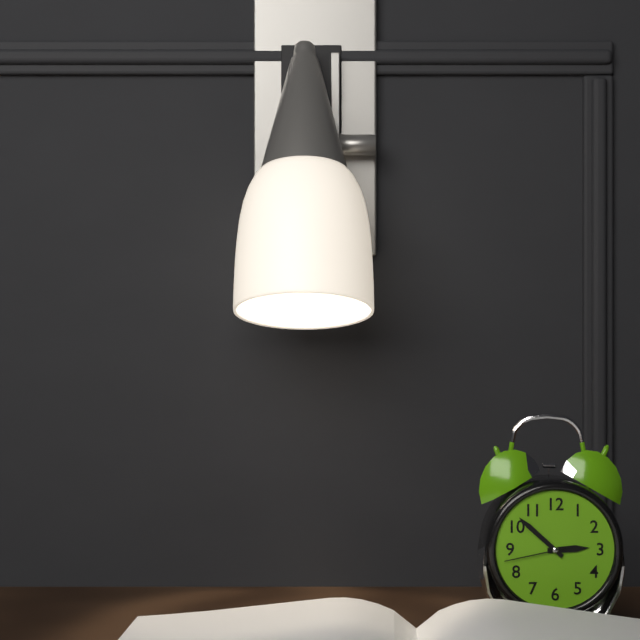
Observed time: 2:52:43
